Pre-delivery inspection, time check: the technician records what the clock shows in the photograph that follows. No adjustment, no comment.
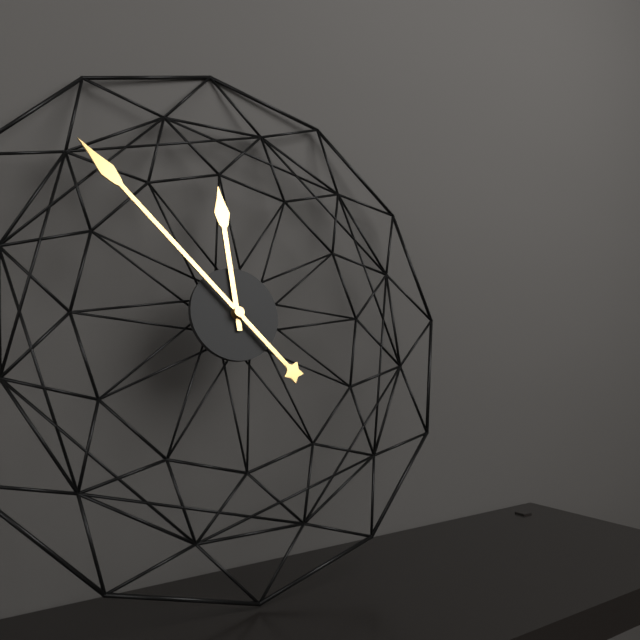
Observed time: 11:53
